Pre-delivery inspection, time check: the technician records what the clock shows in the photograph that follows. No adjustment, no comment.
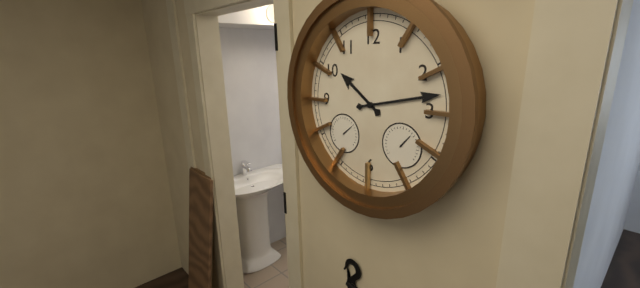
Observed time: 10:13
